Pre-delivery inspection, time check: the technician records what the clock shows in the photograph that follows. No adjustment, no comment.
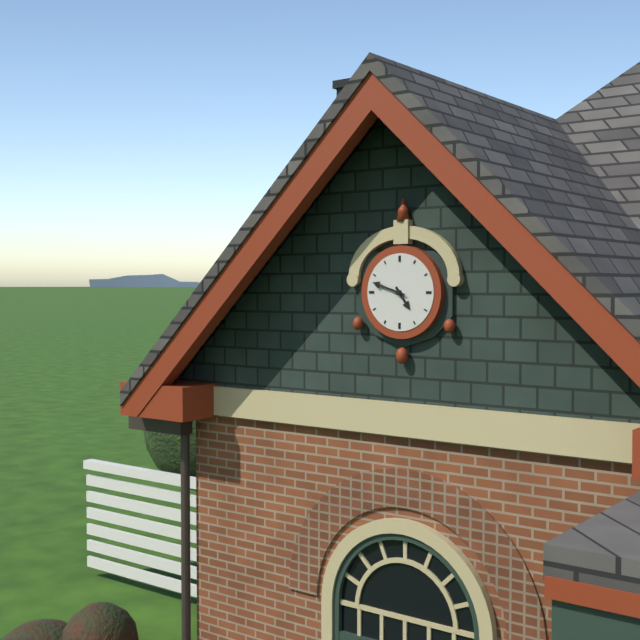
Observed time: 4:48
